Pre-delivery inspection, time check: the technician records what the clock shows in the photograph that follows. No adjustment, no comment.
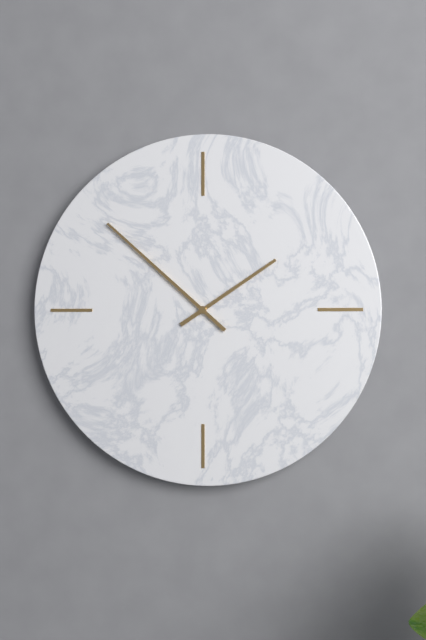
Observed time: 1:52
